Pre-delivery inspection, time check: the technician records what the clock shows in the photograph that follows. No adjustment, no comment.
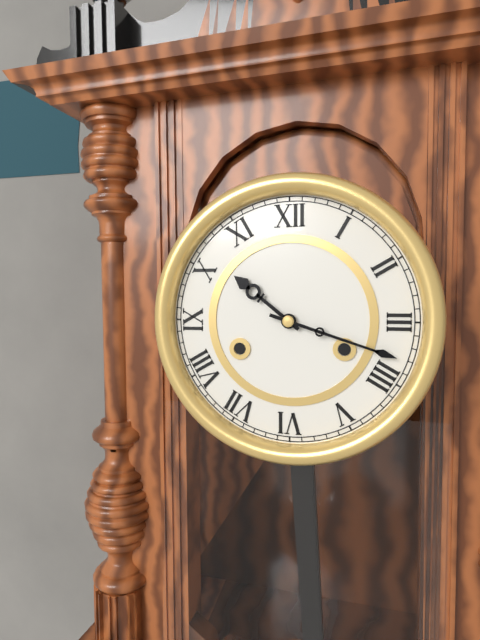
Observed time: 10:18
